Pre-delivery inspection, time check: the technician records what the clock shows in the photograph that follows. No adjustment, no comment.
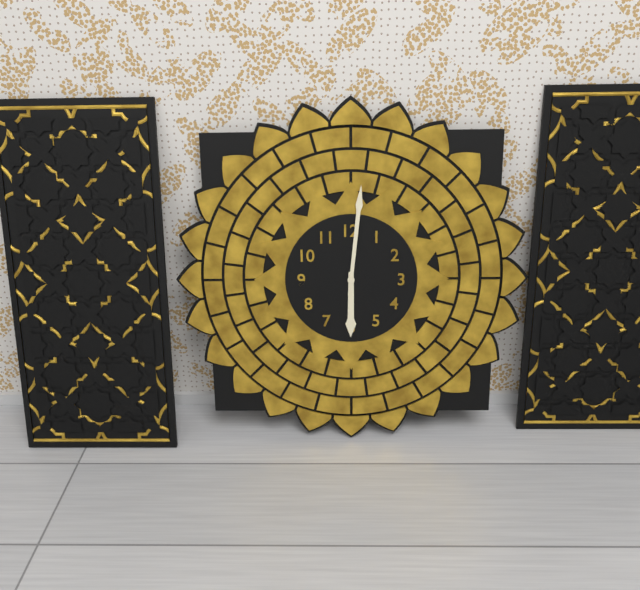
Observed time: 6:01
